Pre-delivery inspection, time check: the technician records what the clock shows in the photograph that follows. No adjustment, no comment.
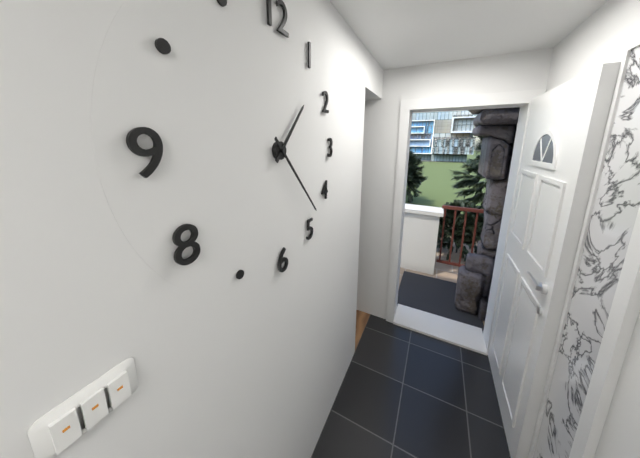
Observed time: 1:23
